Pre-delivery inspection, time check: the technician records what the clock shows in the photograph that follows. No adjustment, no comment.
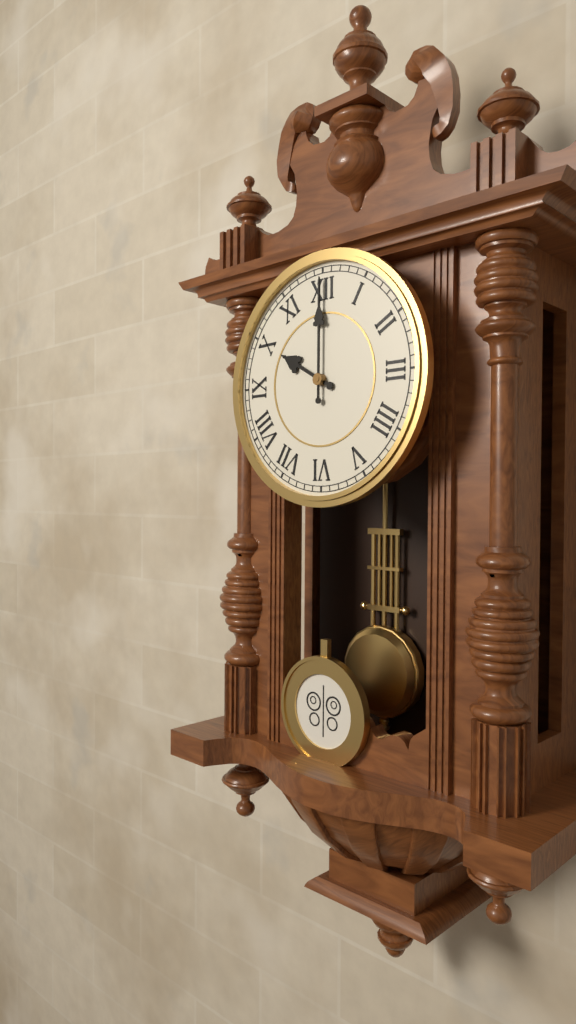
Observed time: 10:00
